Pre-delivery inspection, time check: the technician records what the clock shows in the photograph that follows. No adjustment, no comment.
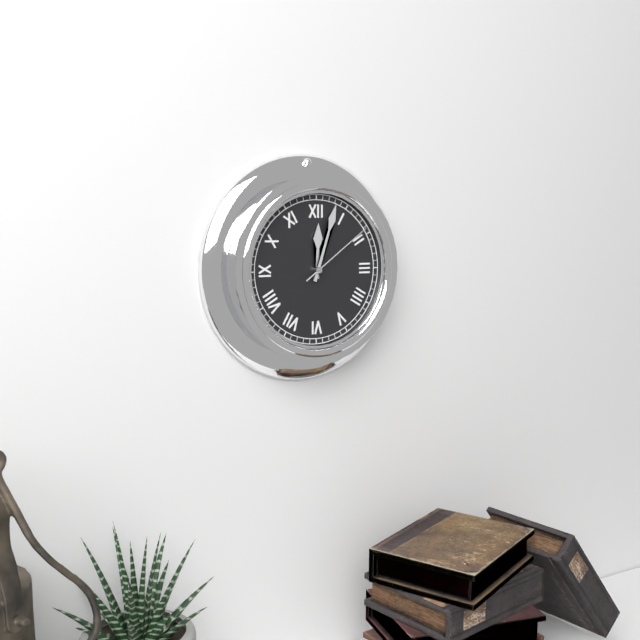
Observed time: 12:03:09
